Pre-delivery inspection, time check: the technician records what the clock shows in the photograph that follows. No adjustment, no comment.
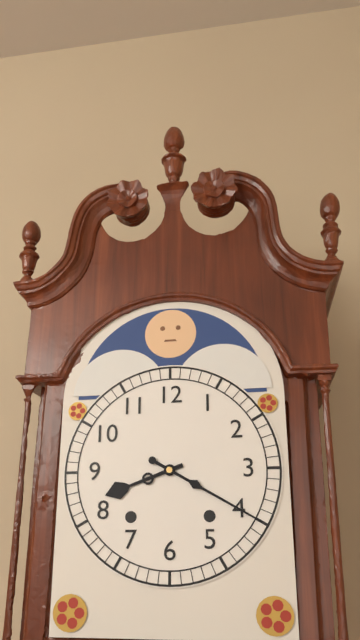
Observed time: 8:20
